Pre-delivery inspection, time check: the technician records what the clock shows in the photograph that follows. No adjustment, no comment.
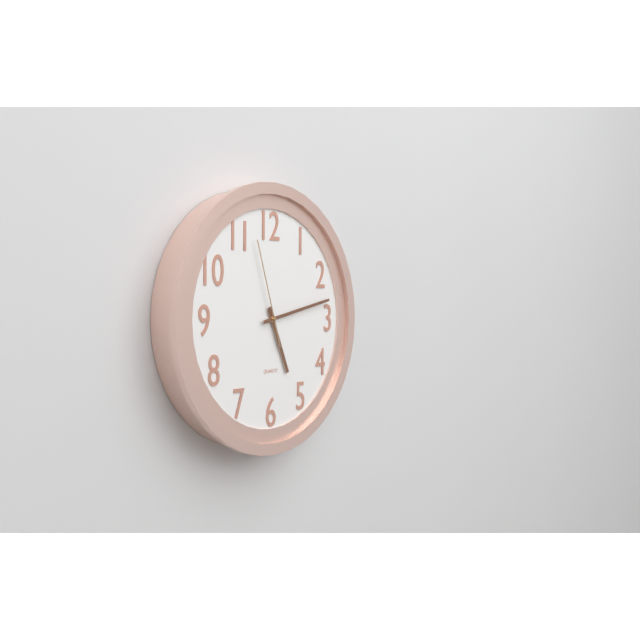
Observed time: 5:13:57
